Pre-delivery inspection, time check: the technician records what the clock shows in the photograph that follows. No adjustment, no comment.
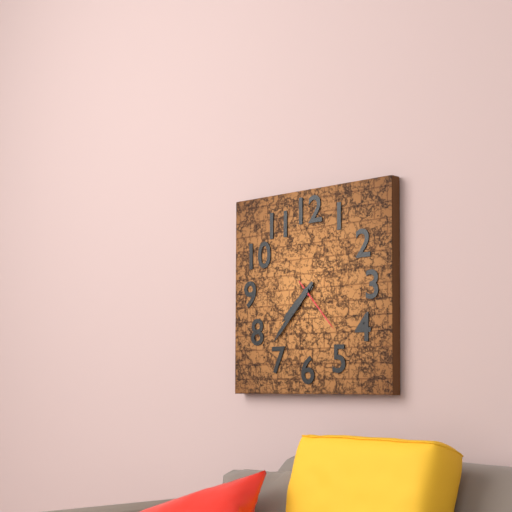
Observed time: 7:37:23
